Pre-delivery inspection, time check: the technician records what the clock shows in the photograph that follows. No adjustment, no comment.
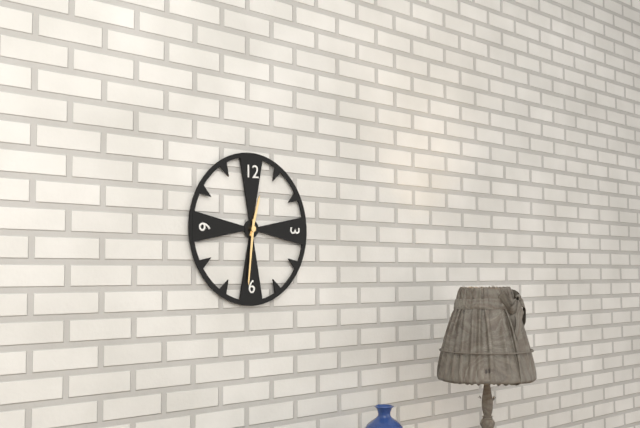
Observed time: 12:31
